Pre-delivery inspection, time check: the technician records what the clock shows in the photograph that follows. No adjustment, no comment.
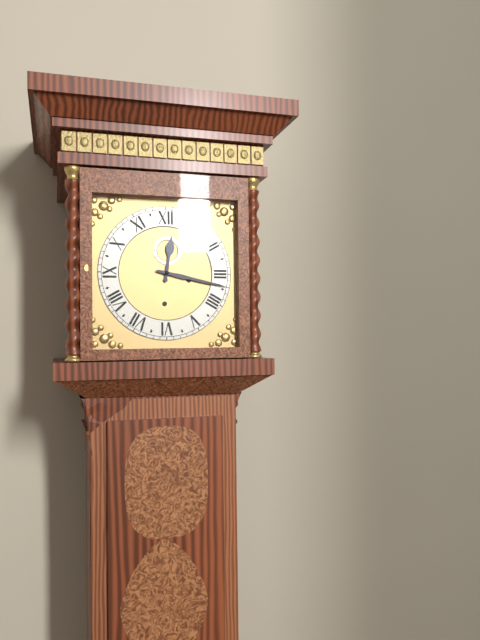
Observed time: 12:17
